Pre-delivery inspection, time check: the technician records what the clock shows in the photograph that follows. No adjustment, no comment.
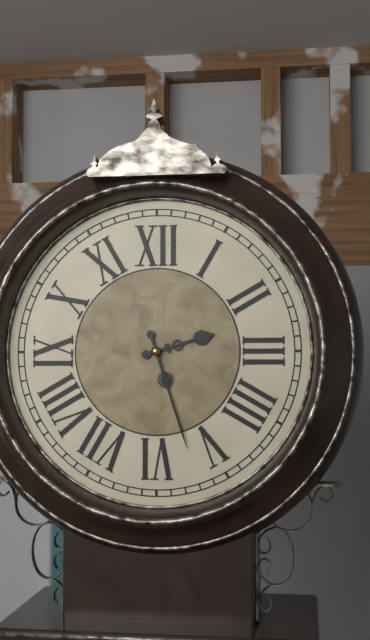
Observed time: 2:27
